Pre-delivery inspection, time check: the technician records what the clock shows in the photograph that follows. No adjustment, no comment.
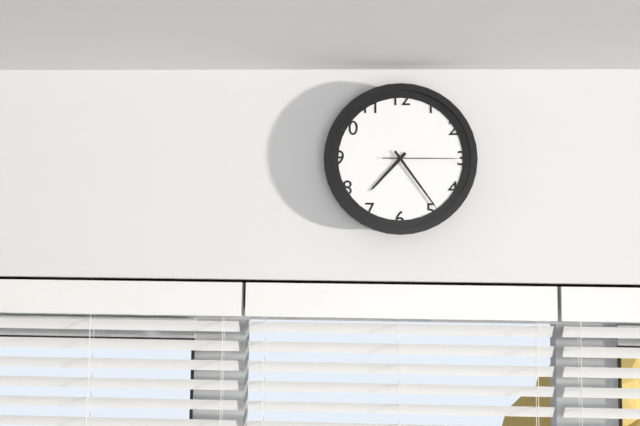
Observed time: 7:24:15
